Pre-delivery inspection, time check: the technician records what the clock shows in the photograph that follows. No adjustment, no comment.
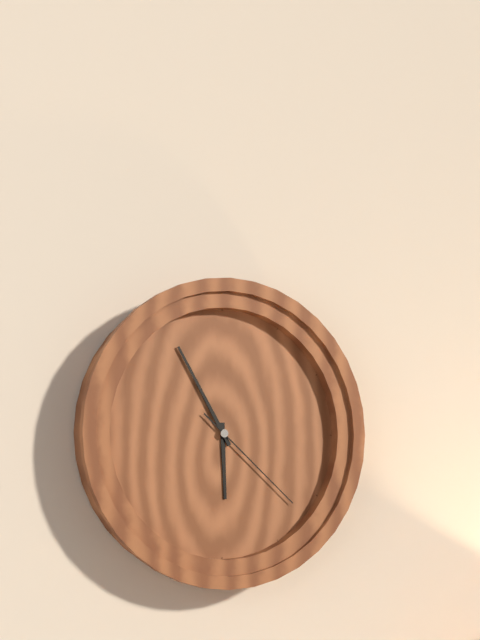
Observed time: 5:55:22
